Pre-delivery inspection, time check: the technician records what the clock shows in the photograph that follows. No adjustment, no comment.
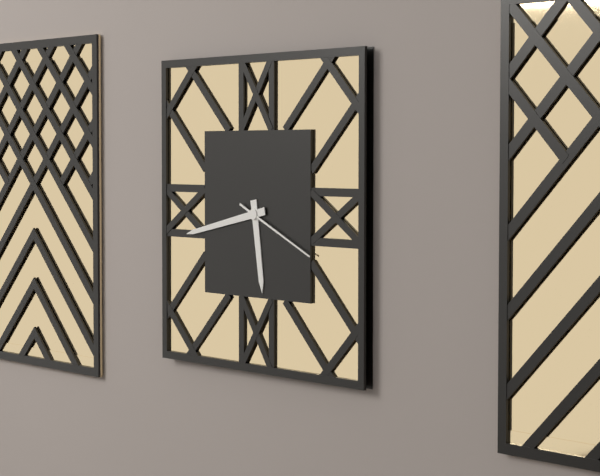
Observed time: 5:43:19
